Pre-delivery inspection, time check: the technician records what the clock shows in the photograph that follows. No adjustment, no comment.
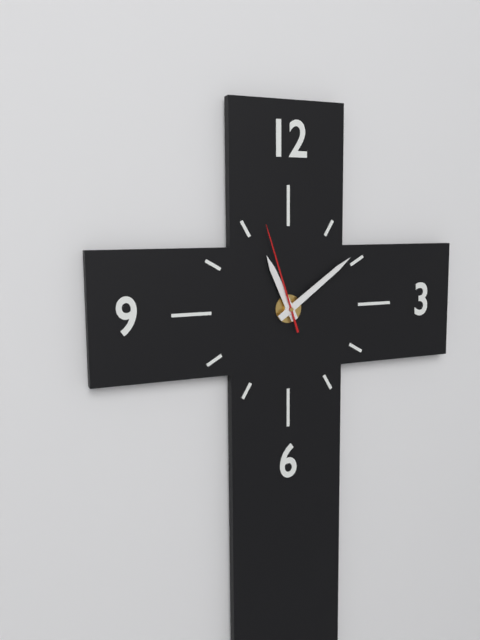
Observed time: 11:09:57
